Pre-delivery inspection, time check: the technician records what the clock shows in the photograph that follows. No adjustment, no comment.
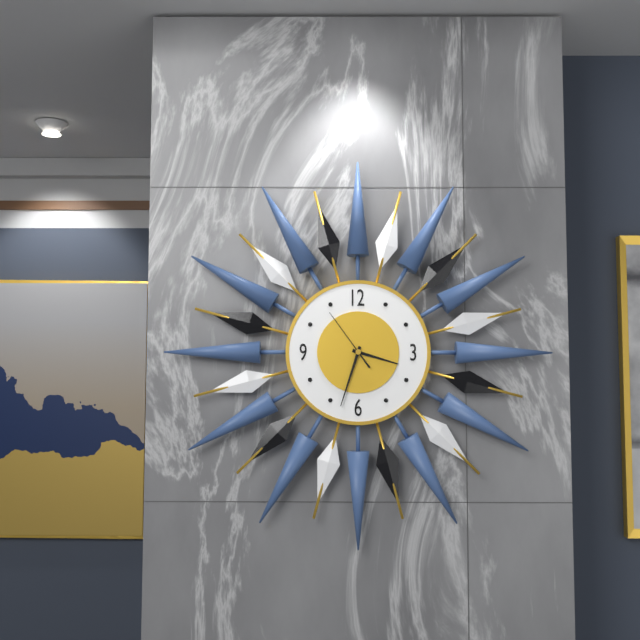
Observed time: 3:33:54
